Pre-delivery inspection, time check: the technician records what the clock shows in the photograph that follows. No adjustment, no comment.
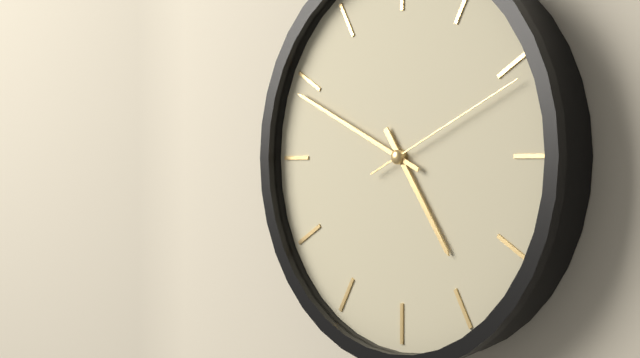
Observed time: 4:49:11
